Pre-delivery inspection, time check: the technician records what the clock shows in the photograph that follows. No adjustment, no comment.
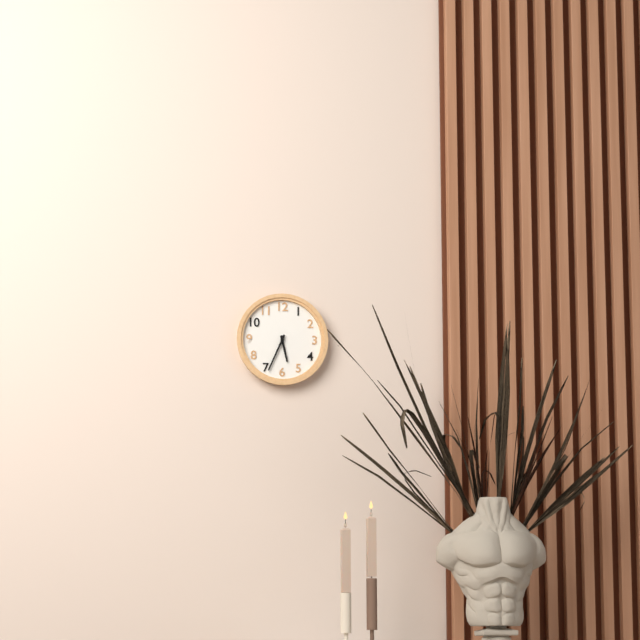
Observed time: 5:34
